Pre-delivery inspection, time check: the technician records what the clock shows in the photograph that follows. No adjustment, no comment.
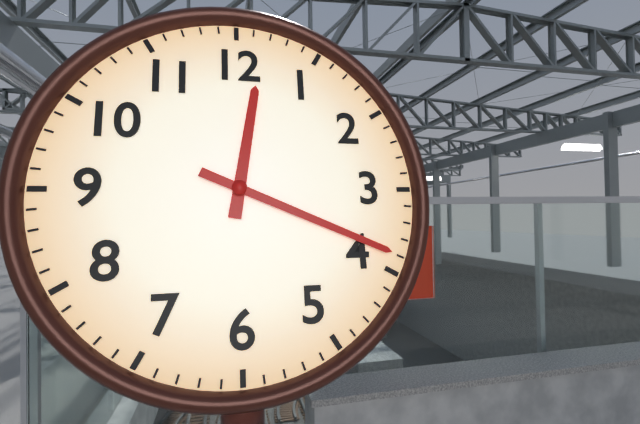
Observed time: 12:19
